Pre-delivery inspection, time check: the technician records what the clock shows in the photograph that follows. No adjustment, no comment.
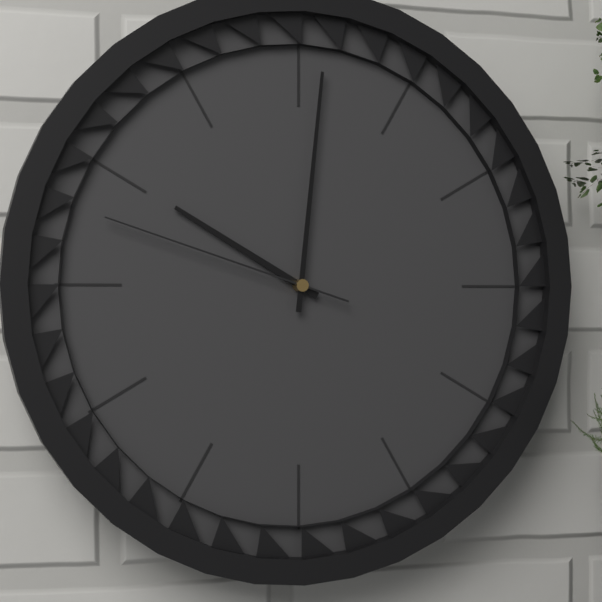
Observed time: 10:01:48
